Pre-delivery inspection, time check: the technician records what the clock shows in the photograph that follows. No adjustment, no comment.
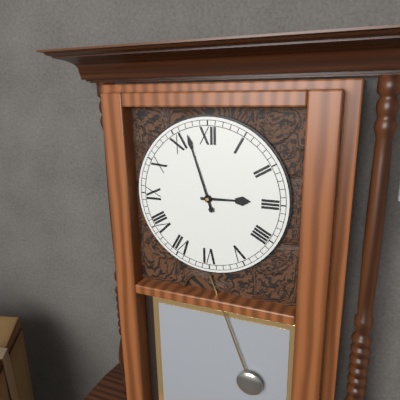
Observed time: 2:57
